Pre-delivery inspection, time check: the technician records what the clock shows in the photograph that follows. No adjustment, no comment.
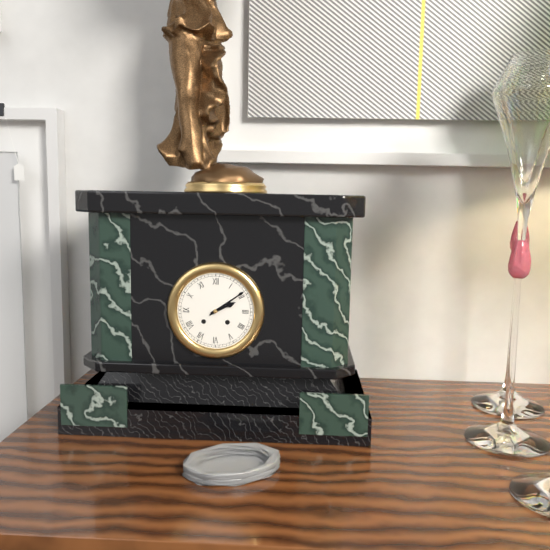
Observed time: 2:09
